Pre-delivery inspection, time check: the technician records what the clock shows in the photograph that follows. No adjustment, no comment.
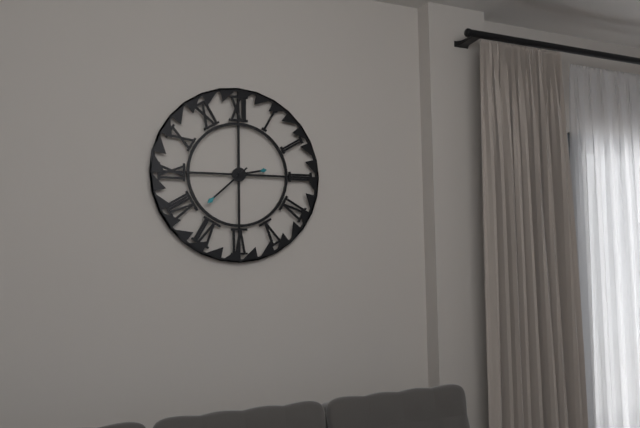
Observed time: 2:38
